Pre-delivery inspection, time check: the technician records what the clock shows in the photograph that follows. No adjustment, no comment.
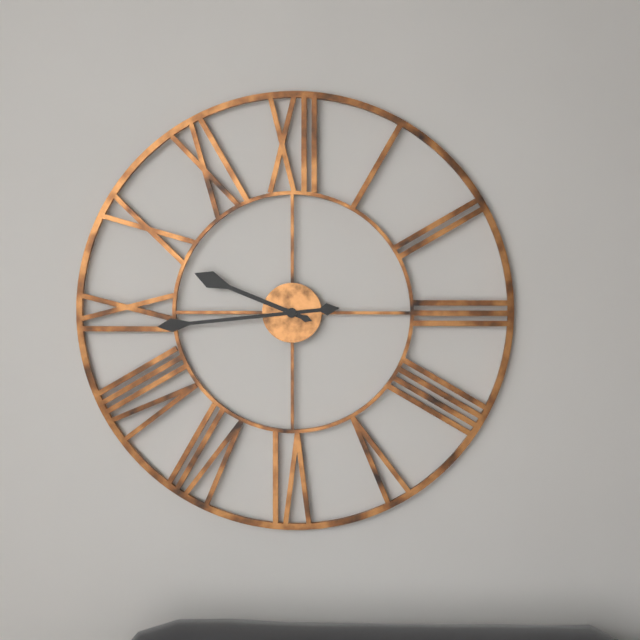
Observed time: 9:44
